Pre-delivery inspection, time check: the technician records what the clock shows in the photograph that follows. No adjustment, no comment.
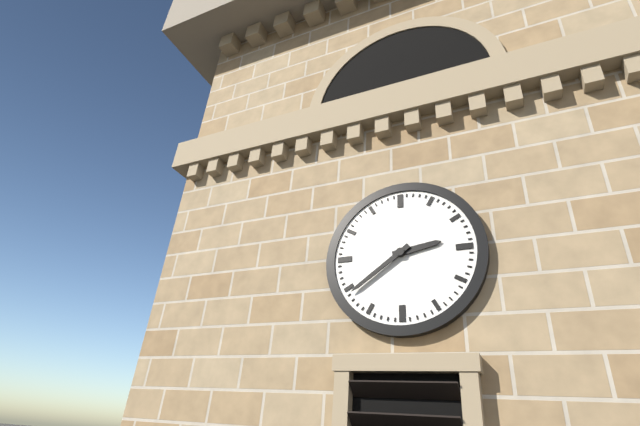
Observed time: 2:39
